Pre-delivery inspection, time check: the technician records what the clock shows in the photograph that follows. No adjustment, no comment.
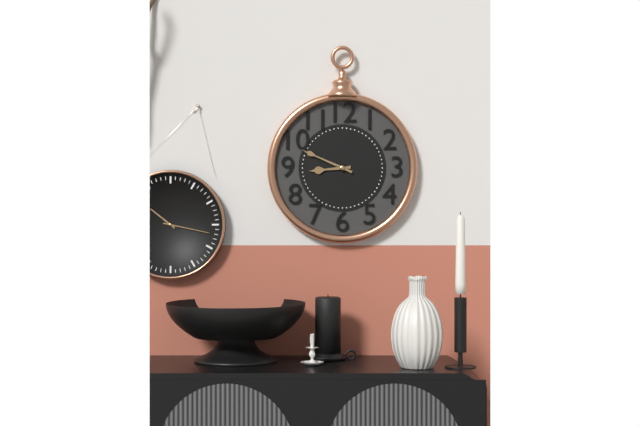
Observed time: 8:49
